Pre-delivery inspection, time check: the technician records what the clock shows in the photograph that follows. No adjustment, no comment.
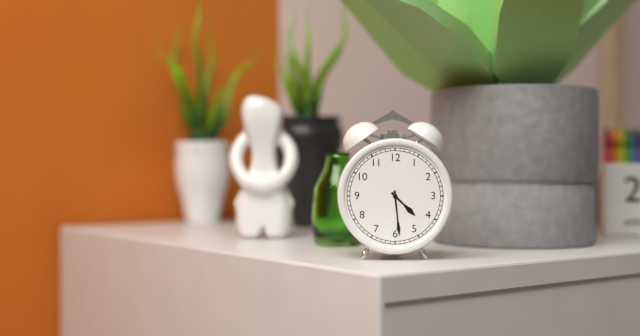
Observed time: 4:29
